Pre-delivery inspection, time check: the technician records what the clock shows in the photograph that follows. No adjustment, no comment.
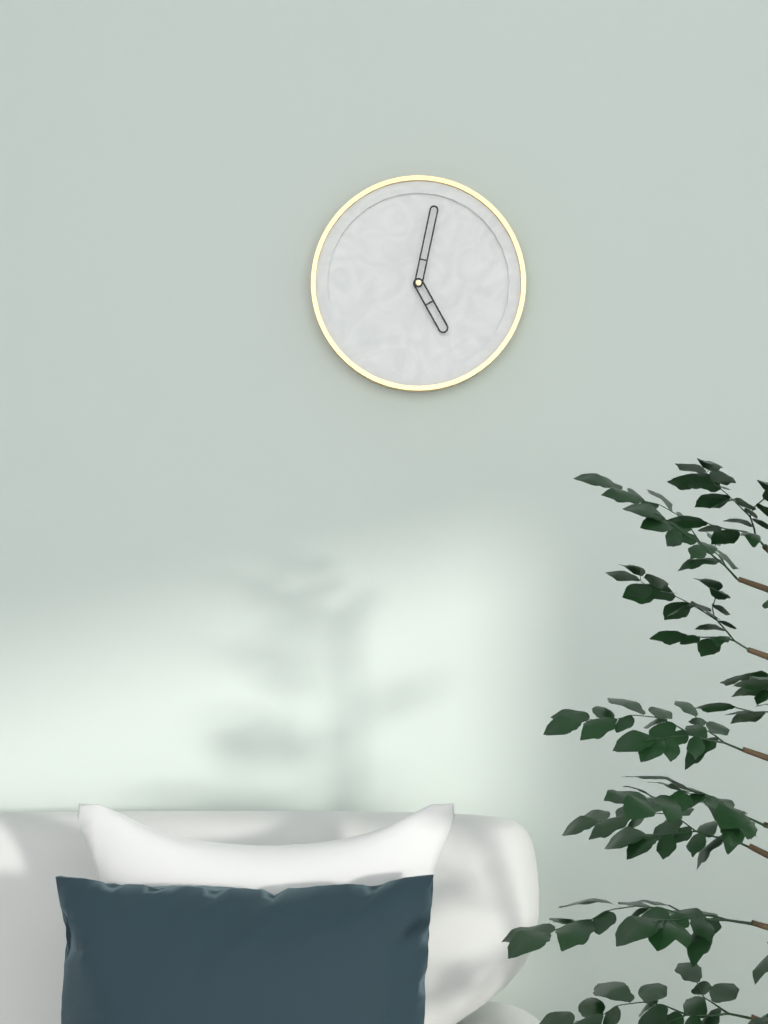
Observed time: 5:02
